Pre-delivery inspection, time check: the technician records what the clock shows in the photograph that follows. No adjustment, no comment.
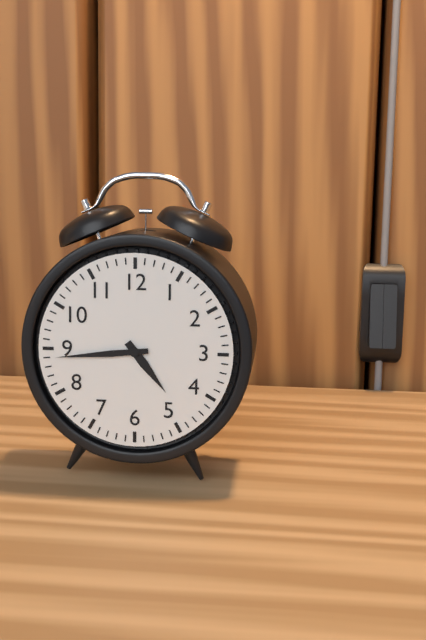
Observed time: 4:44
